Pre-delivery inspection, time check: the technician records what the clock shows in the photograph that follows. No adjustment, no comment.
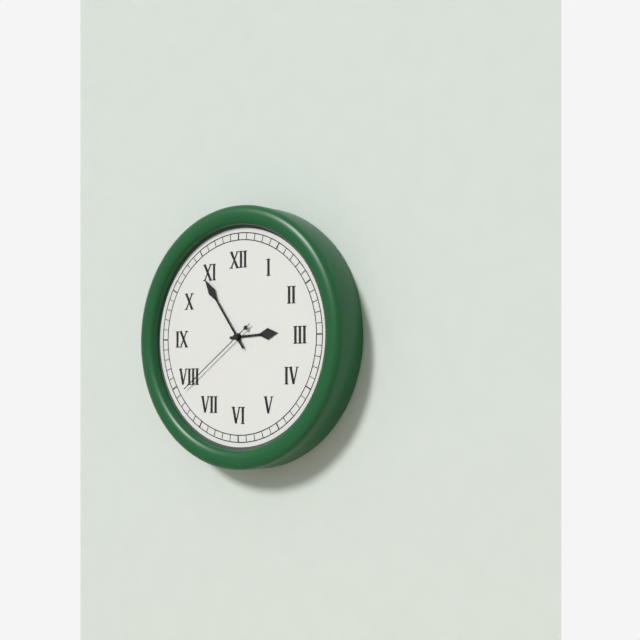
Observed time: 2:54:39
